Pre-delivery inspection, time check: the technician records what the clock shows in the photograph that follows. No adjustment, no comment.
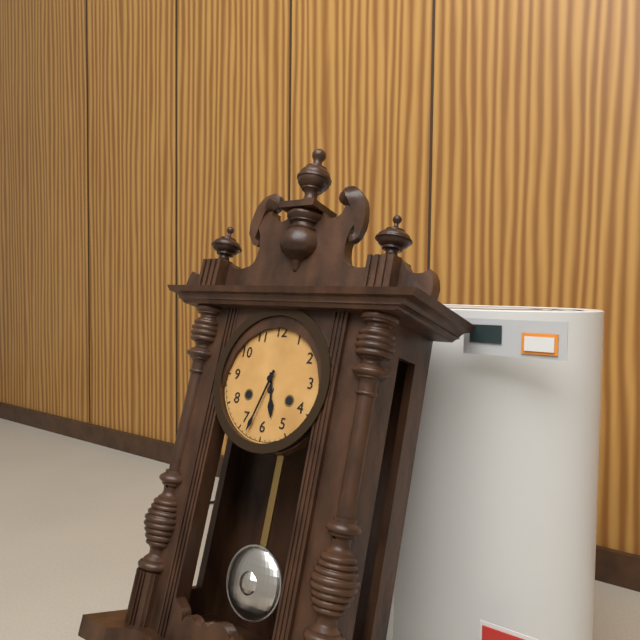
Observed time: 5:33
